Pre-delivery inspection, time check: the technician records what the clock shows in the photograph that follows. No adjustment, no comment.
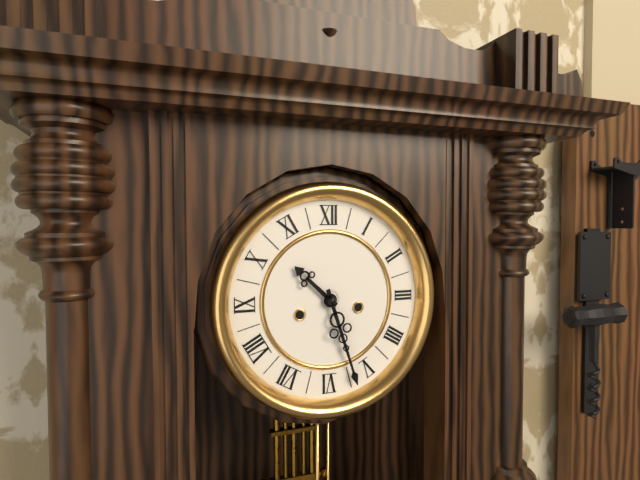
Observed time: 10:27
